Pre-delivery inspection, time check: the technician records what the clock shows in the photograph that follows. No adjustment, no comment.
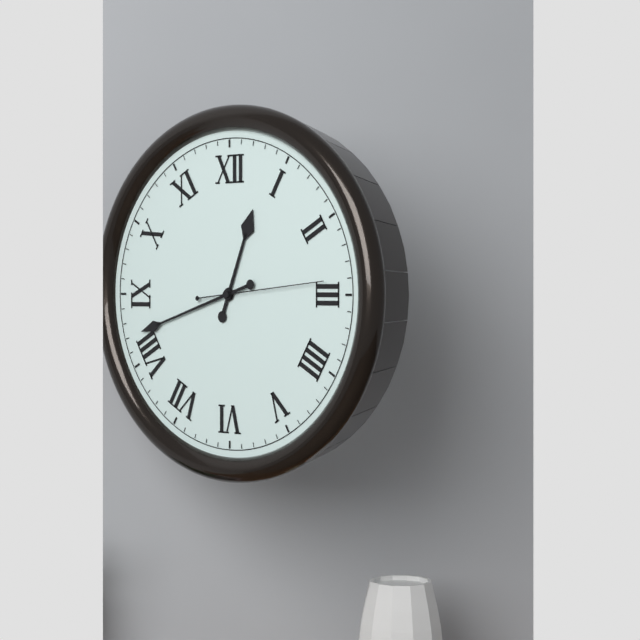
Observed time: 12:42:14
